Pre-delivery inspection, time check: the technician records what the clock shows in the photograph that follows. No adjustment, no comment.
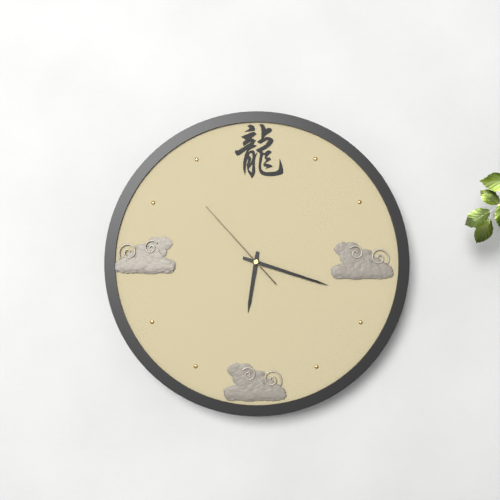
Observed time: 6:18:53
